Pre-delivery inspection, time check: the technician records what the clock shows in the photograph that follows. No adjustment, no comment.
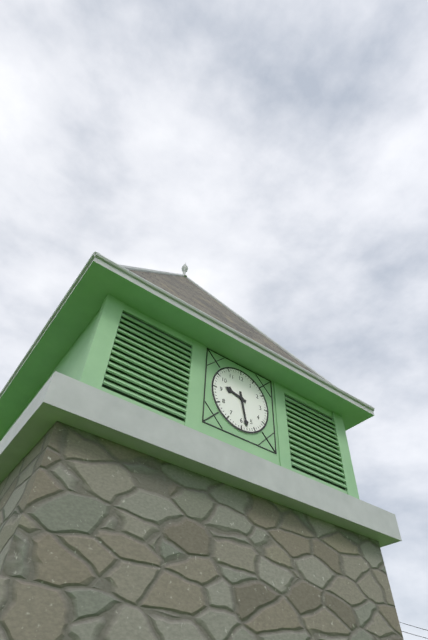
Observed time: 9:28
